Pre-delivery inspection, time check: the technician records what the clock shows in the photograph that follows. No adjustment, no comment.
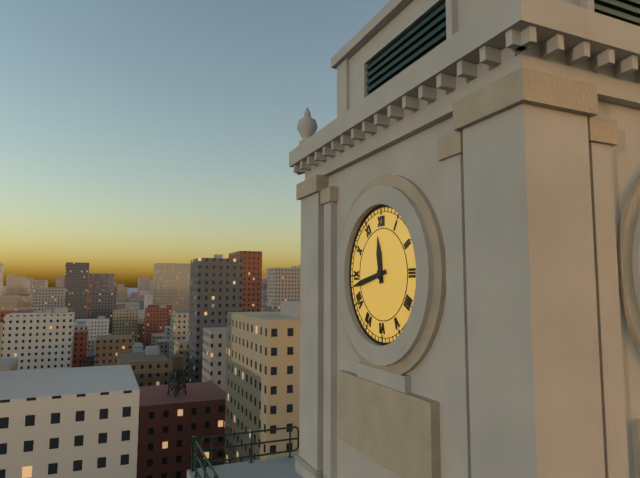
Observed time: 11:43
